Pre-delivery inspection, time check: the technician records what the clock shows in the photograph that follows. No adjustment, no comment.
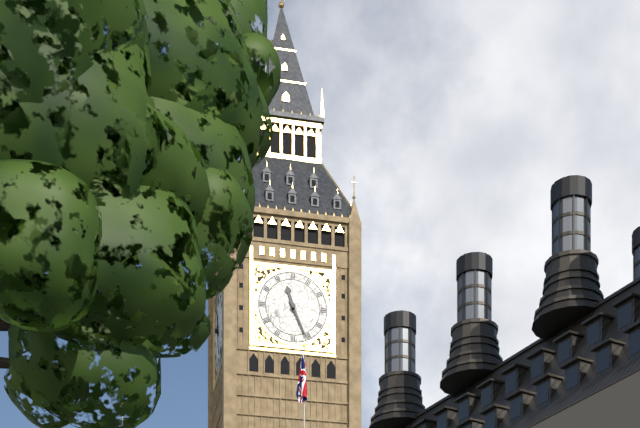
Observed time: 11:26
